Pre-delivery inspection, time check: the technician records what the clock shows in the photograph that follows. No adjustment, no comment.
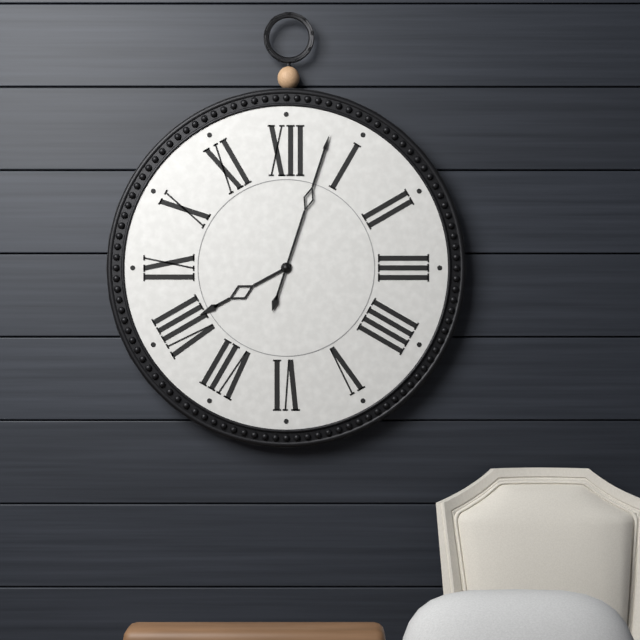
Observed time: 8:03
